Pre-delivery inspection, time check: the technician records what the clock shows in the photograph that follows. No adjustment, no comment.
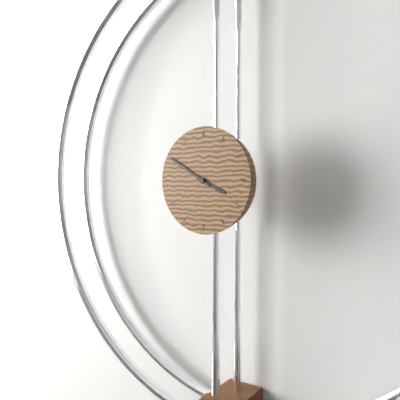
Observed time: 3:50
